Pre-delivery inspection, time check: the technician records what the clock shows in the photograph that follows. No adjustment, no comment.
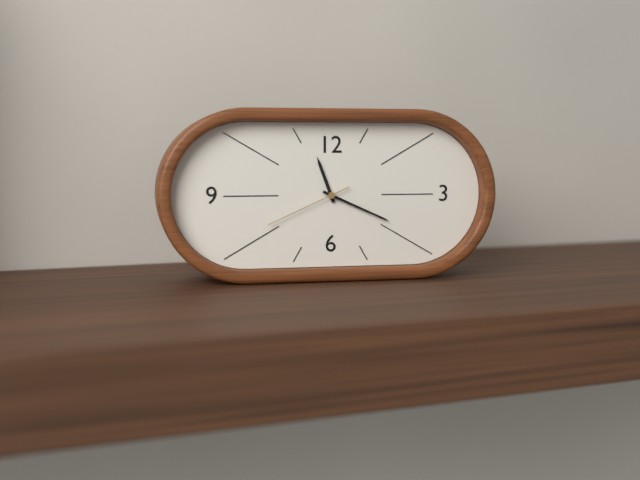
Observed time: 11:19:41
